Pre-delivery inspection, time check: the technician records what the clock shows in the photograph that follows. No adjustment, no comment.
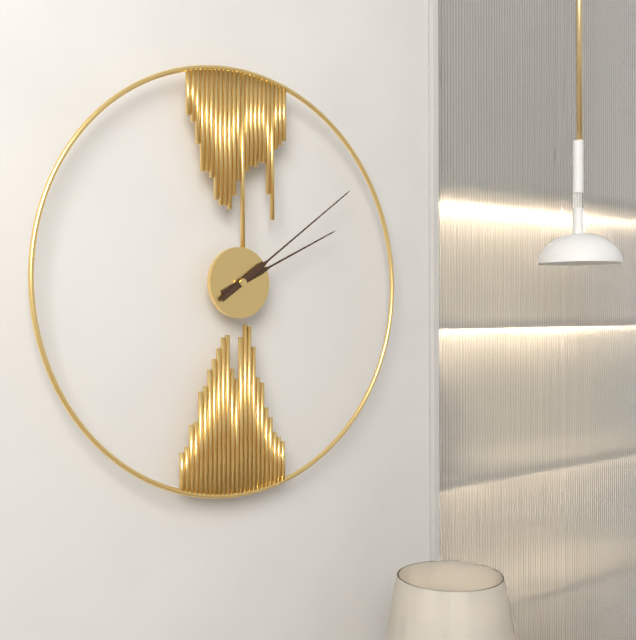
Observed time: 2:09
